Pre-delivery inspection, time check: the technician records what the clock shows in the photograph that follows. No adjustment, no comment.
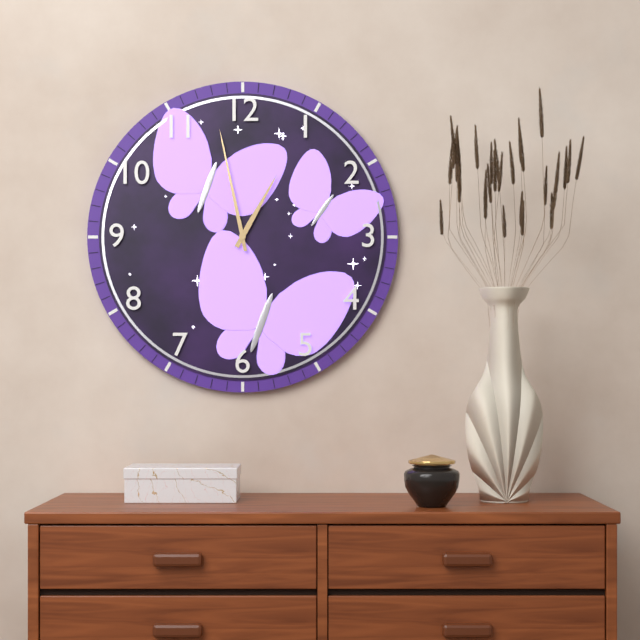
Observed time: 12:58
